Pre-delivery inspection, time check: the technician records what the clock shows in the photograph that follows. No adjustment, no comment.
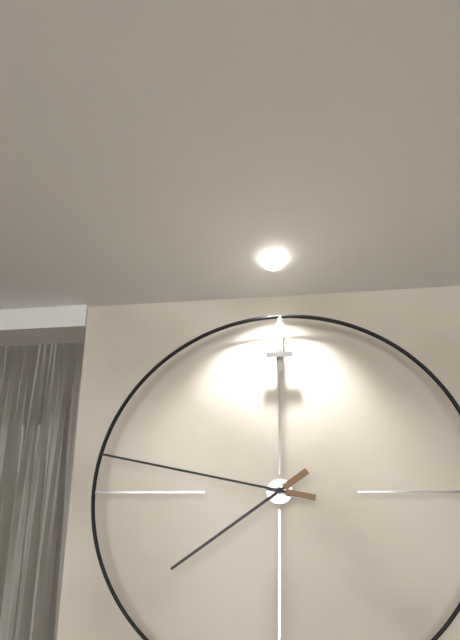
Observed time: 7:47
